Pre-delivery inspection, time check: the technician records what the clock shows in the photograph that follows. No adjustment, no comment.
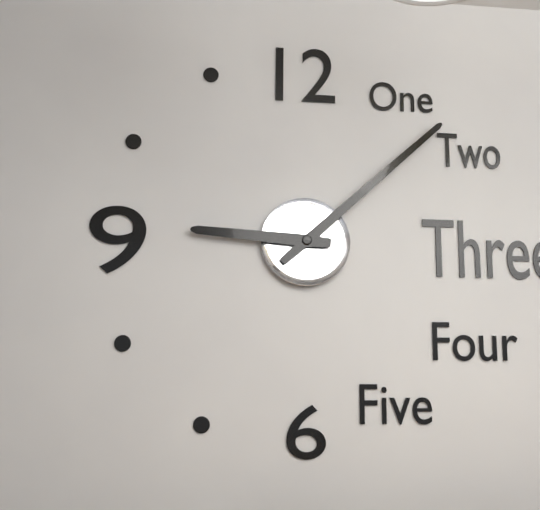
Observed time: 9:08
